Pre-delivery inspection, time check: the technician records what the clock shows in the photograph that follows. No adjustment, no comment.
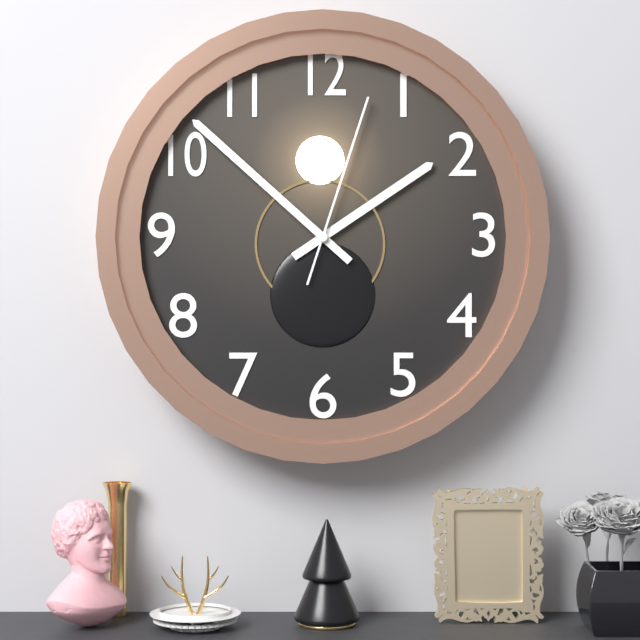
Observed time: 1:52:03
